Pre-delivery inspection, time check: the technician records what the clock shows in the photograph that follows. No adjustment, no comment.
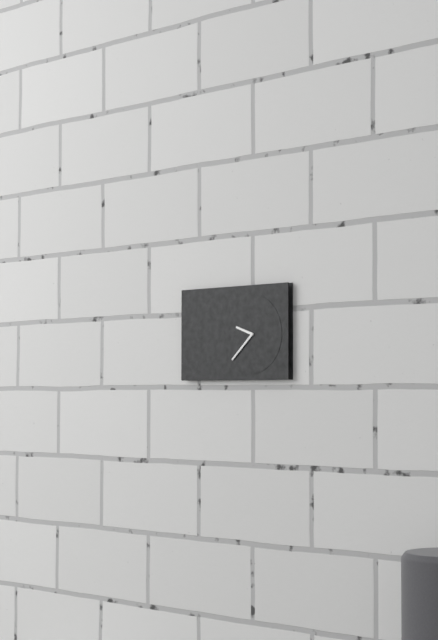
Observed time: 9:38
